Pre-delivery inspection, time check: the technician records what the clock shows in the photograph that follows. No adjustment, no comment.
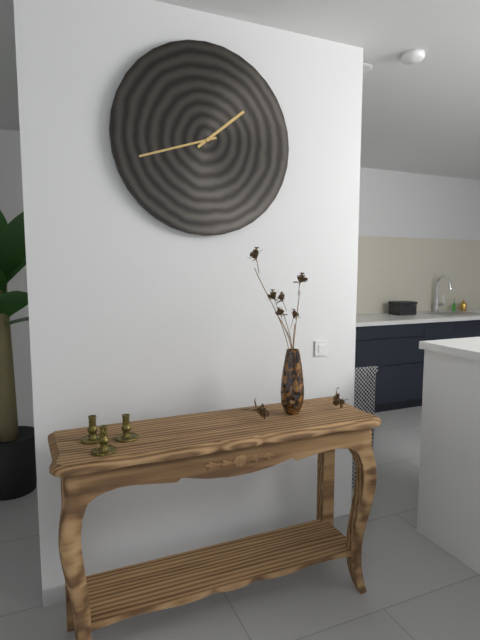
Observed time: 1:42
